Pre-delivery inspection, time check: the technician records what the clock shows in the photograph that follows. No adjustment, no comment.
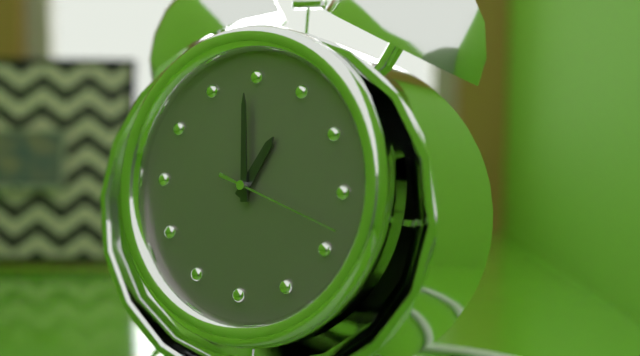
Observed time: 12:59:18
